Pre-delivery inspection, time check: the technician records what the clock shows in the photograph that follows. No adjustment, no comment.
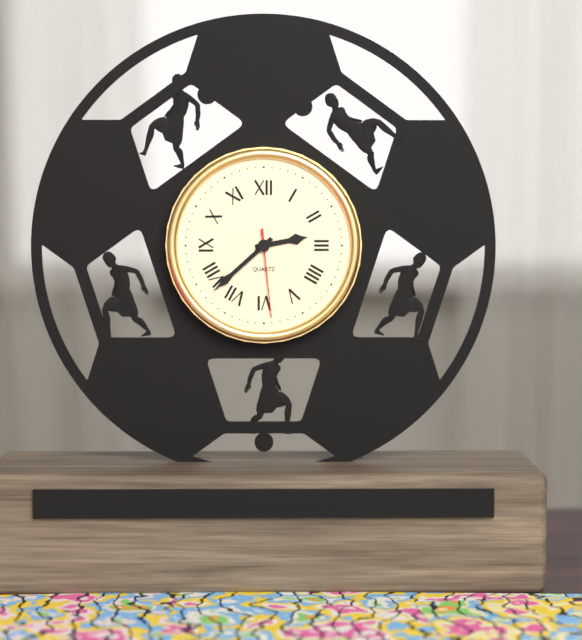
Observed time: 2:38:29
